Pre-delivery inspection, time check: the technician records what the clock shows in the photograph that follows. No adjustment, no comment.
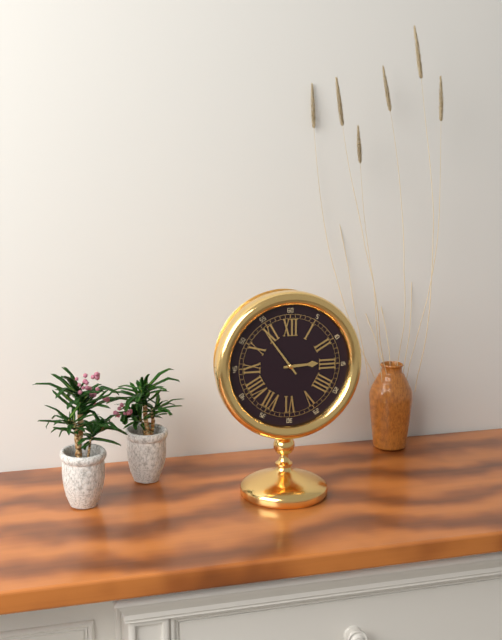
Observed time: 2:54
